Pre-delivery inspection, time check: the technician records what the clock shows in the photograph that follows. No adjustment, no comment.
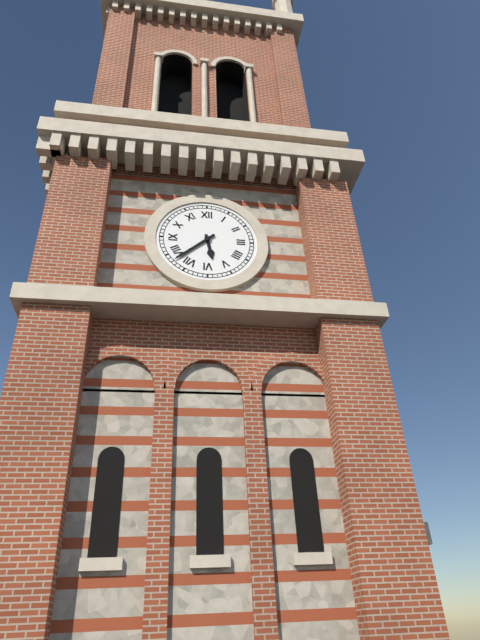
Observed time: 5:38
